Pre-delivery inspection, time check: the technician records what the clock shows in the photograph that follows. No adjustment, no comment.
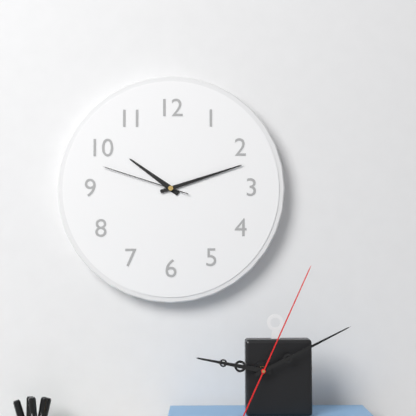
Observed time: 10:12:48
